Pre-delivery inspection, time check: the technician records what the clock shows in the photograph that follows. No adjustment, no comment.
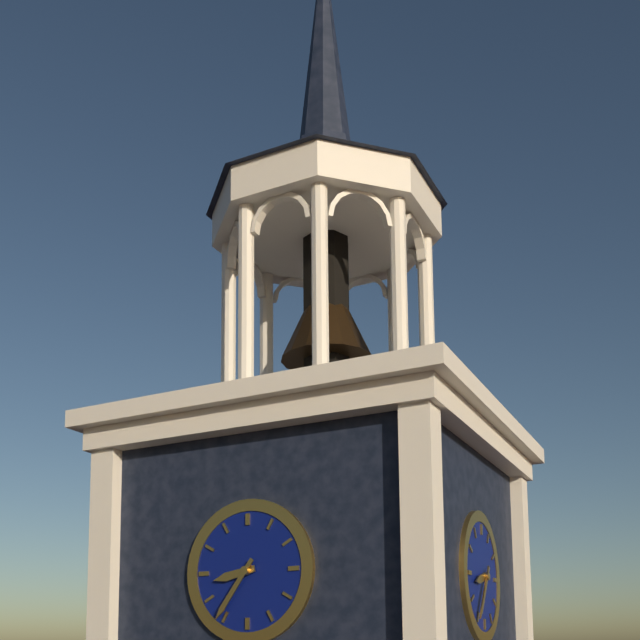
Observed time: 8:36
